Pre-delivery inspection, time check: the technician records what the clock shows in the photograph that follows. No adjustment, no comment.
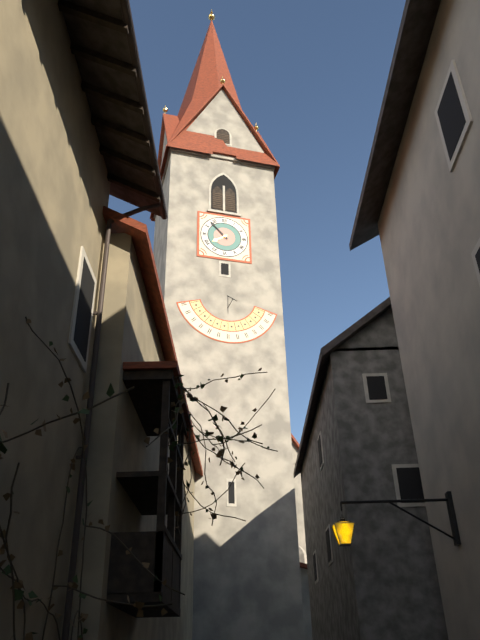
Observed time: 7:53
